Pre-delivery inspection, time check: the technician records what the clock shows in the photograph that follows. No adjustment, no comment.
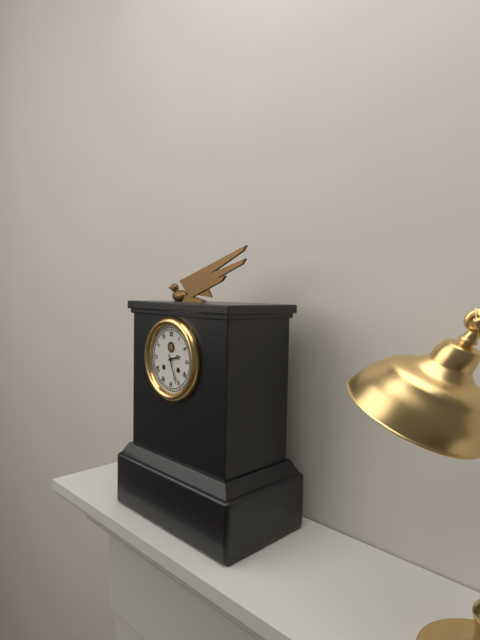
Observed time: 2:26
